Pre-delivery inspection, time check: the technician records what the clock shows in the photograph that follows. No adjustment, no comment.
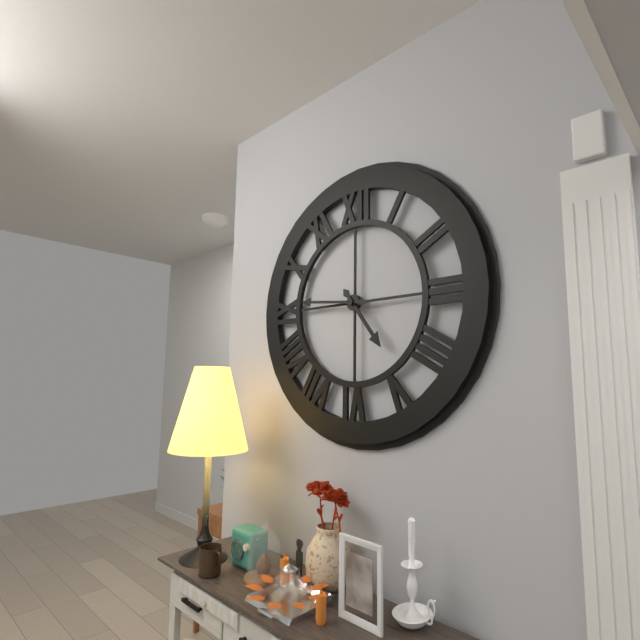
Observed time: 4:46
